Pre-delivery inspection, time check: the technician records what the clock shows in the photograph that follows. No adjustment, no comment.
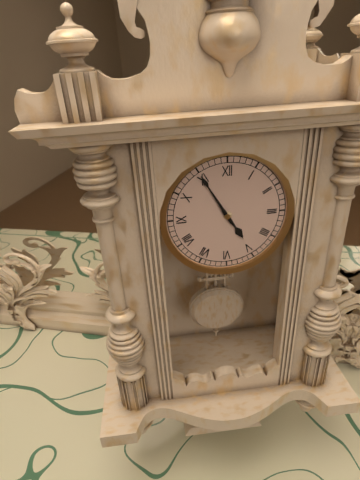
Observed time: 4:55
